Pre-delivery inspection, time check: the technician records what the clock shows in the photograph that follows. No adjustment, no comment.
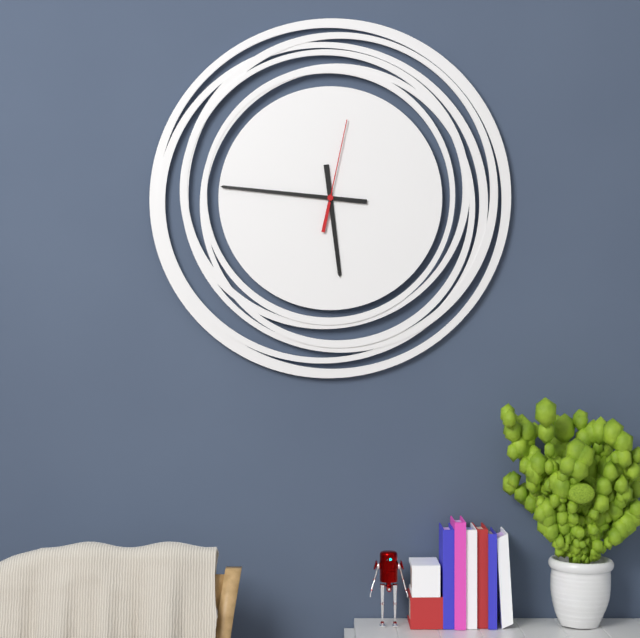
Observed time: 5:46:02
